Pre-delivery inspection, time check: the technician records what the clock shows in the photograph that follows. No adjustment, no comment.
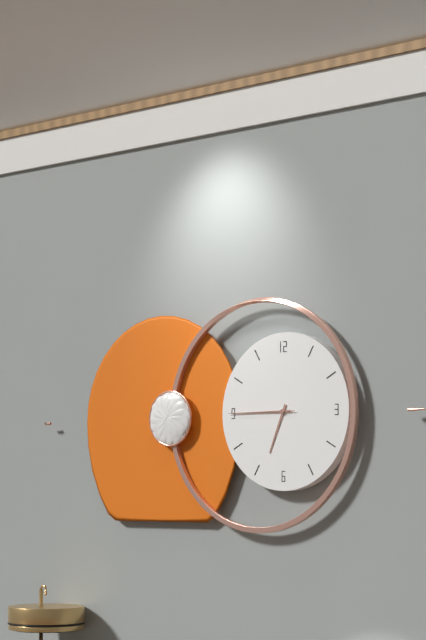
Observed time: 6:45:45
